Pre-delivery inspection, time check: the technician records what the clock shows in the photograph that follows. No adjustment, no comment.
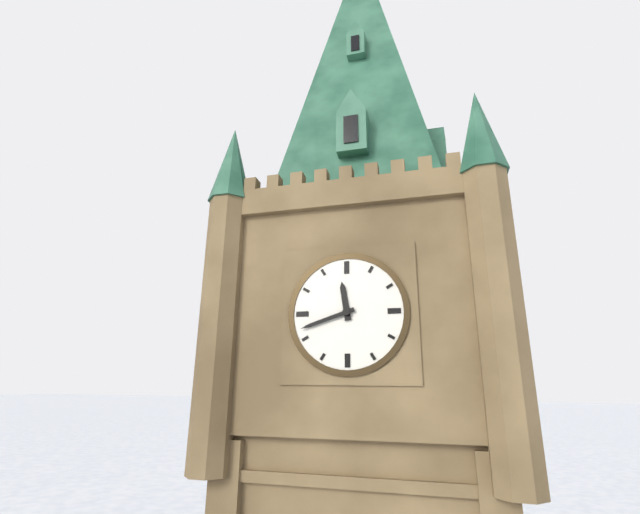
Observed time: 11:42
